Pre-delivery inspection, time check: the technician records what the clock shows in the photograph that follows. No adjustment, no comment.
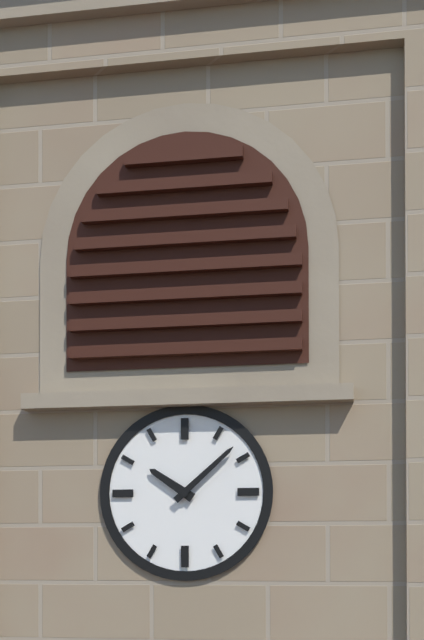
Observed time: 10:08
